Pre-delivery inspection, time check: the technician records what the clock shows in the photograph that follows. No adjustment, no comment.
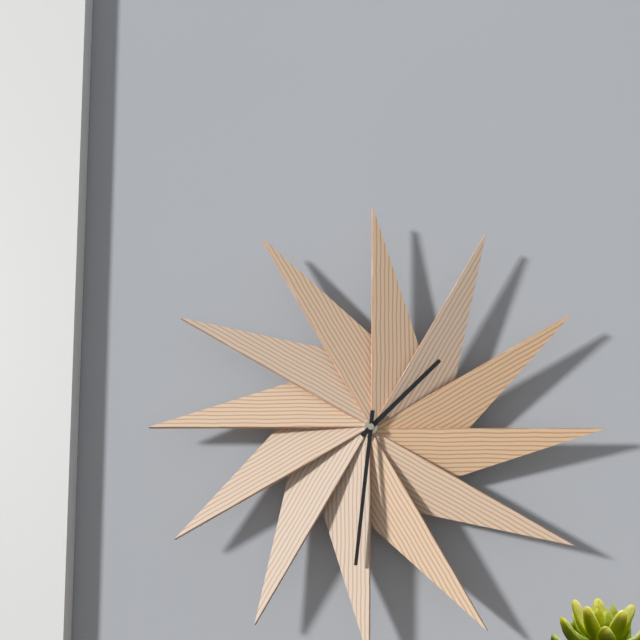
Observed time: 1:31
